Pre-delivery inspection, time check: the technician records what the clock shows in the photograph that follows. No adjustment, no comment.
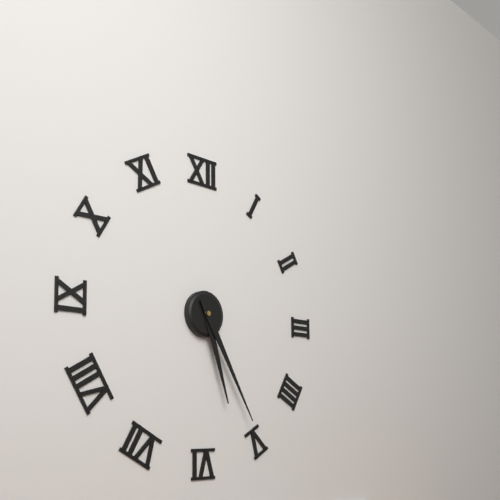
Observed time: 5:25
